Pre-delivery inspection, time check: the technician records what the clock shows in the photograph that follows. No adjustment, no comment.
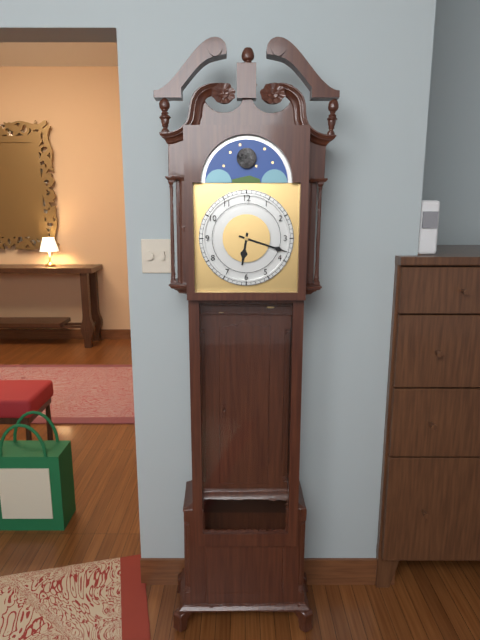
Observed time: 6:18
